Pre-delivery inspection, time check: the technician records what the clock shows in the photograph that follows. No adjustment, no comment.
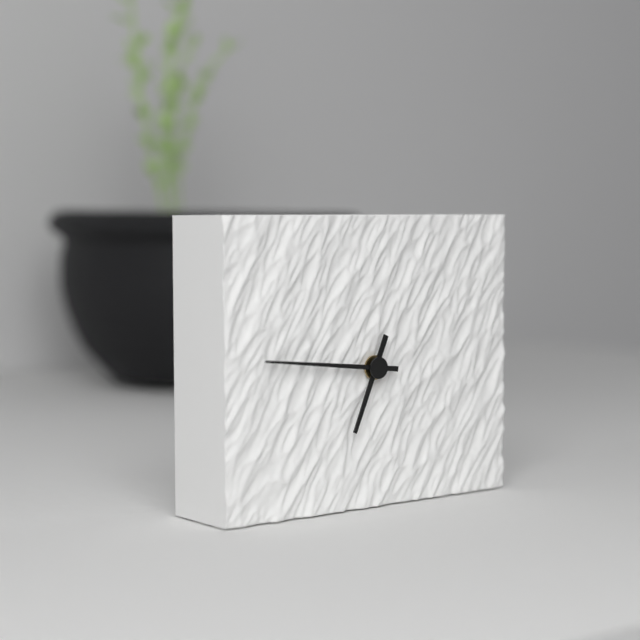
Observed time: 6:46
